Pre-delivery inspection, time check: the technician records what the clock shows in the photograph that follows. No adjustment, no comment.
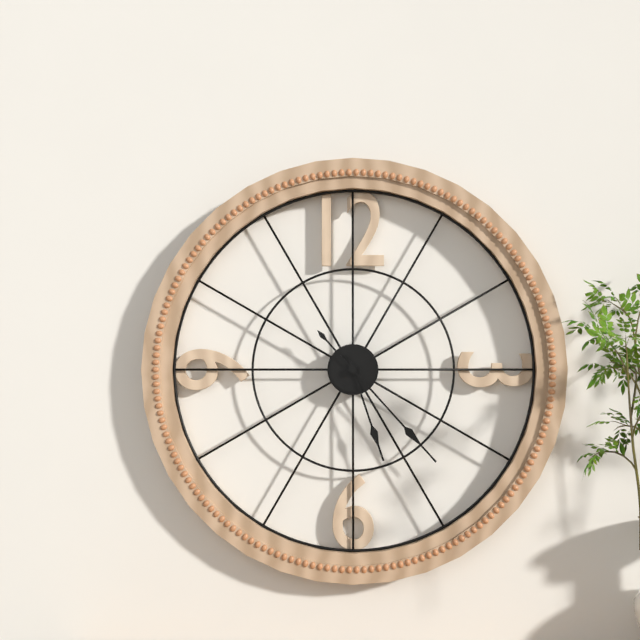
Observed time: 5:23
